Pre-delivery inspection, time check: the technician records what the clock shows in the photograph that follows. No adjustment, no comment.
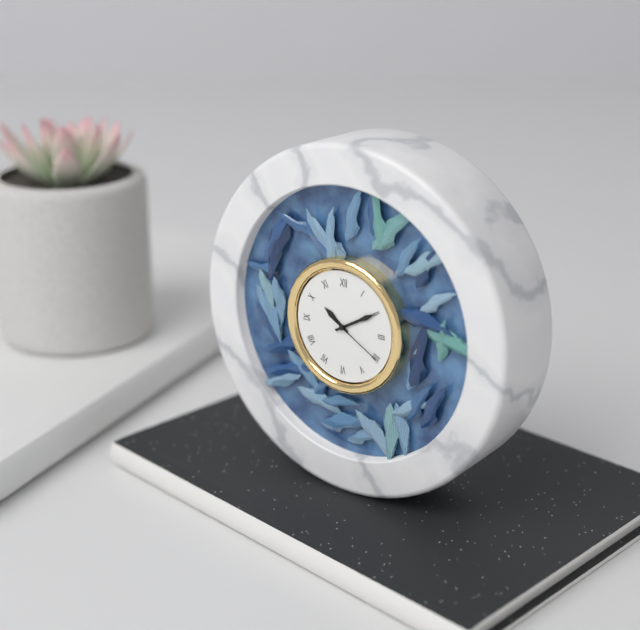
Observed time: 10:10:20
